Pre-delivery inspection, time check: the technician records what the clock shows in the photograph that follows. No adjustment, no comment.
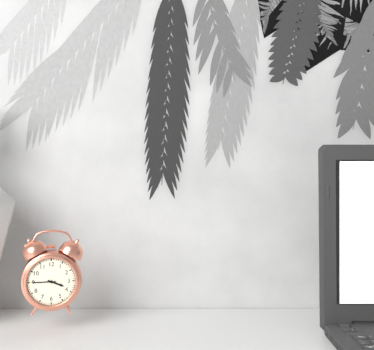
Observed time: 3:45
